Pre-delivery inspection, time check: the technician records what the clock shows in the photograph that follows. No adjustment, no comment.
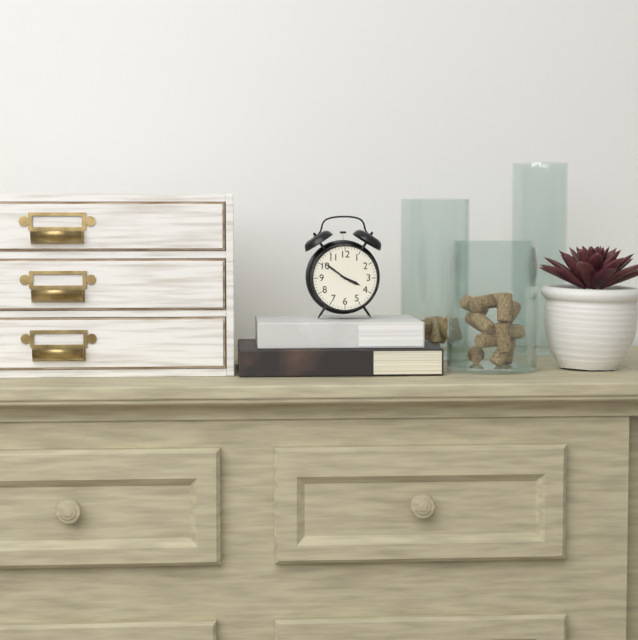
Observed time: 3:51
